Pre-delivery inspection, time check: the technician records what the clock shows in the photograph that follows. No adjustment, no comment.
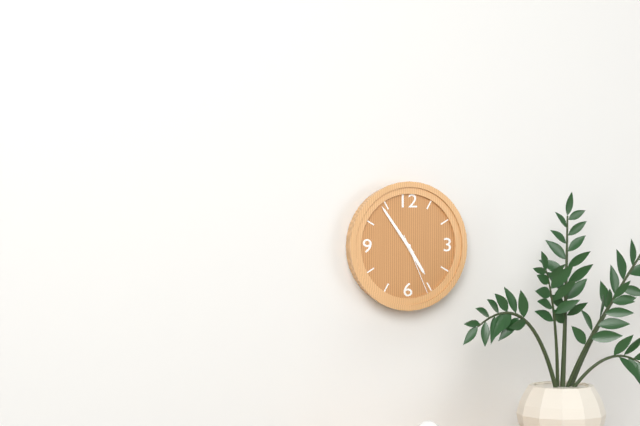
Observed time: 4:54:26
